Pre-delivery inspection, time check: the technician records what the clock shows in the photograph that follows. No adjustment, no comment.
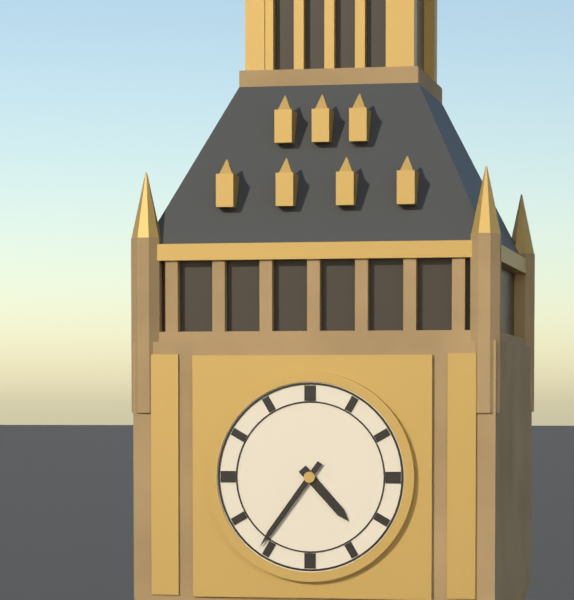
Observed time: 4:36
